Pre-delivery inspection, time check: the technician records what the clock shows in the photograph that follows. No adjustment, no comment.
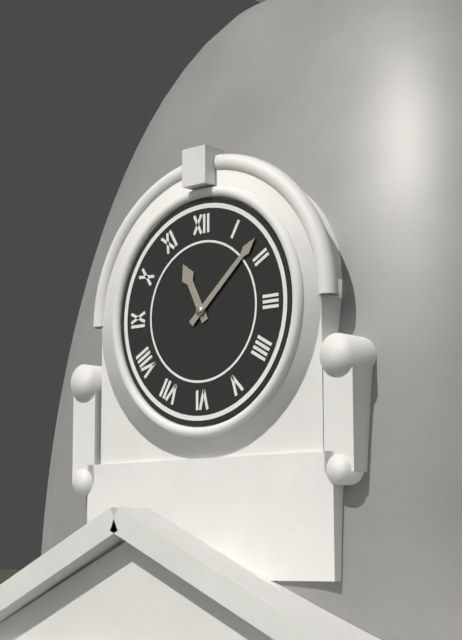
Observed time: 11:08
